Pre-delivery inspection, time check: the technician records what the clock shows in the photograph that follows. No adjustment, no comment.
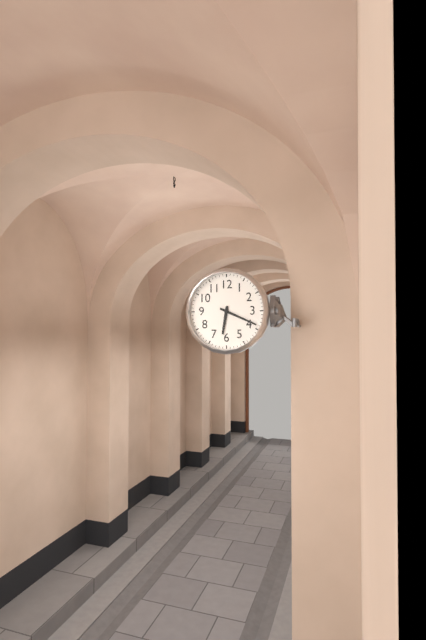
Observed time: 6:19
